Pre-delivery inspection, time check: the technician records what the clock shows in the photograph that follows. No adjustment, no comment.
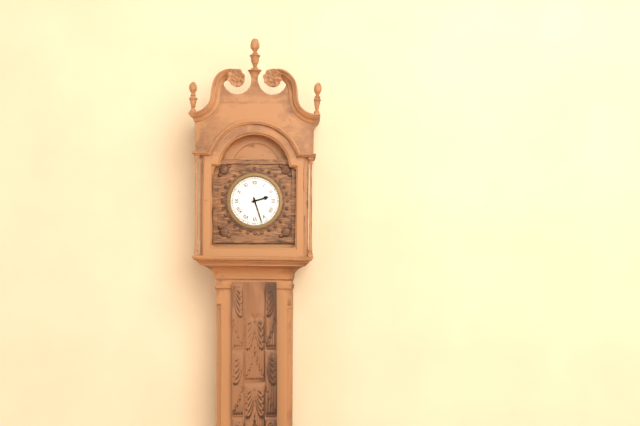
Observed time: 2:27
